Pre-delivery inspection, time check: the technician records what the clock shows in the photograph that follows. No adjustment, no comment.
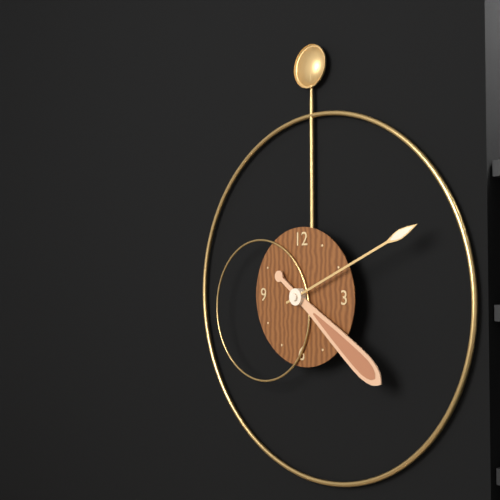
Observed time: 4:11
